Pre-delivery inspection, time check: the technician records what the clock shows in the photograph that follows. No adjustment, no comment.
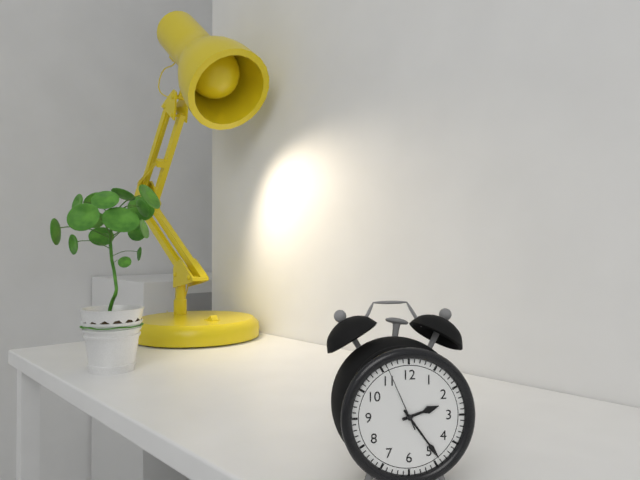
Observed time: 2:24:56
